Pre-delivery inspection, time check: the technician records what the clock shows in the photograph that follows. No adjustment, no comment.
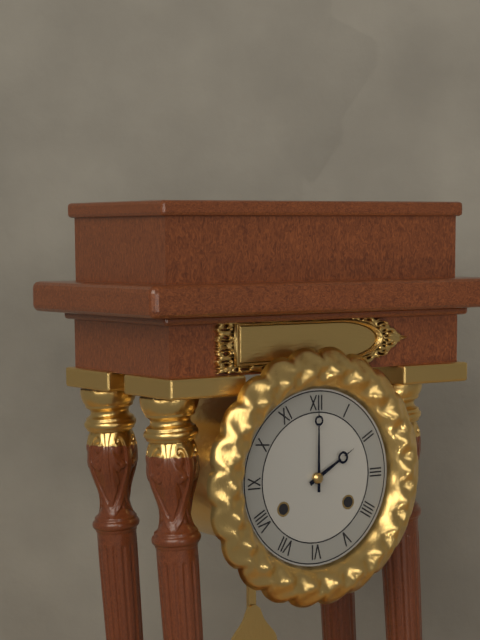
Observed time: 2:00
